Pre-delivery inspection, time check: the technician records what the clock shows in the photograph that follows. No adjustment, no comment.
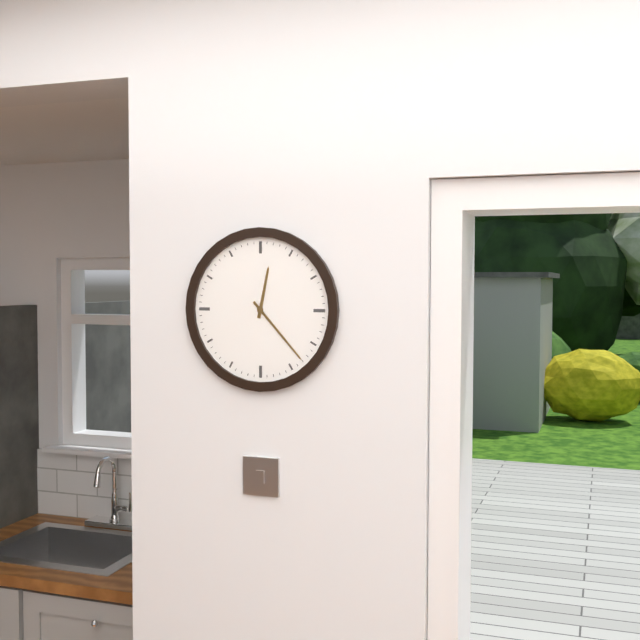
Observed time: 12:23
